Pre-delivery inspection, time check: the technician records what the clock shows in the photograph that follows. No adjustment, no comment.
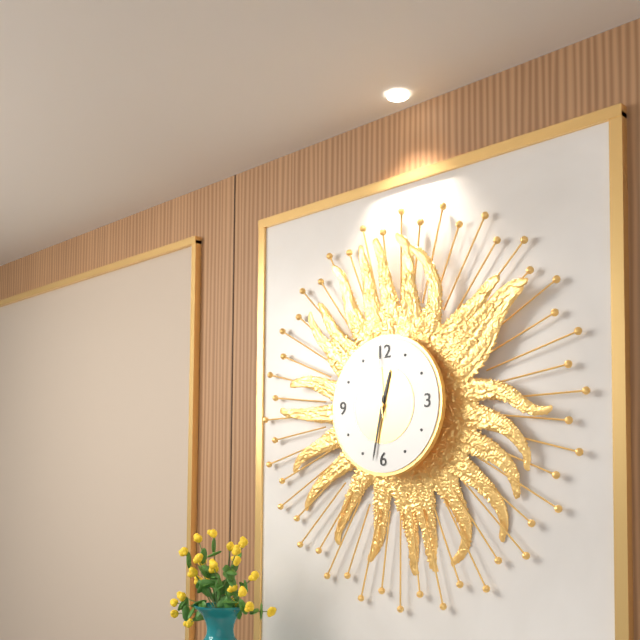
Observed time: 12:32:59
